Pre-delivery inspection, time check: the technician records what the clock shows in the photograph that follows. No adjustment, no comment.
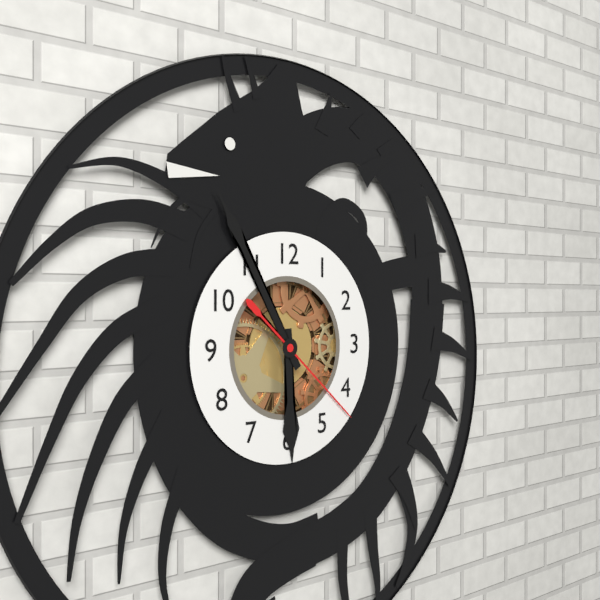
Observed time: 5:55:22
